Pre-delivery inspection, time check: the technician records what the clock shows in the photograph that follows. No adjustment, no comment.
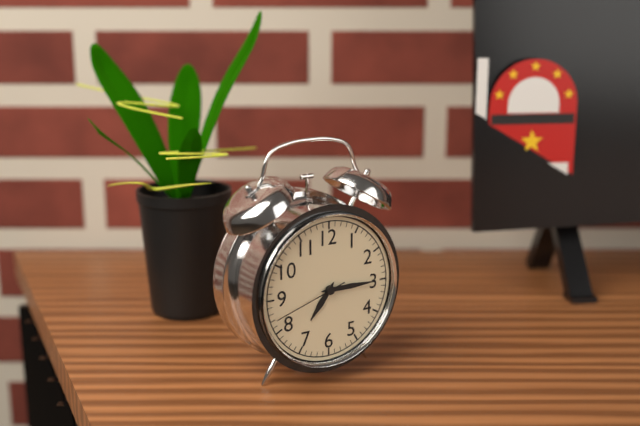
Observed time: 7:15:42
